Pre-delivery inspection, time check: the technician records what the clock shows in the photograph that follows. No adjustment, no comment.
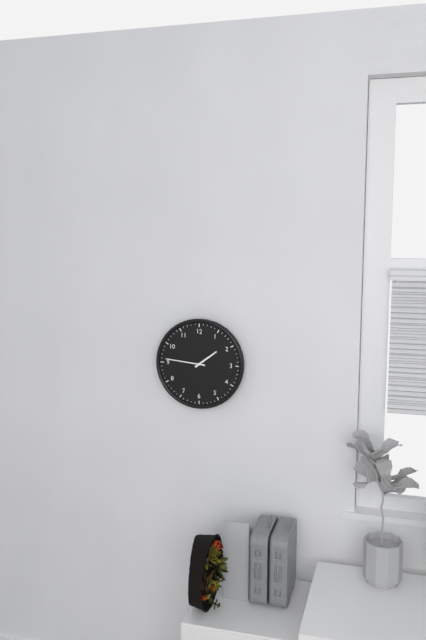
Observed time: 1:46
